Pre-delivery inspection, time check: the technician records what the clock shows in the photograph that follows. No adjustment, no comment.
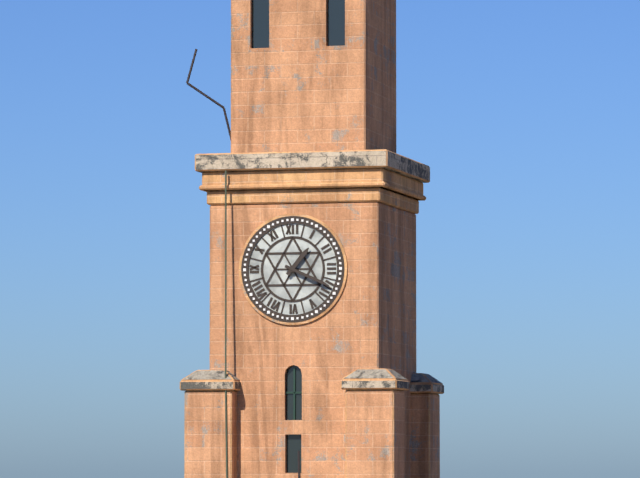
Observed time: 1:19
